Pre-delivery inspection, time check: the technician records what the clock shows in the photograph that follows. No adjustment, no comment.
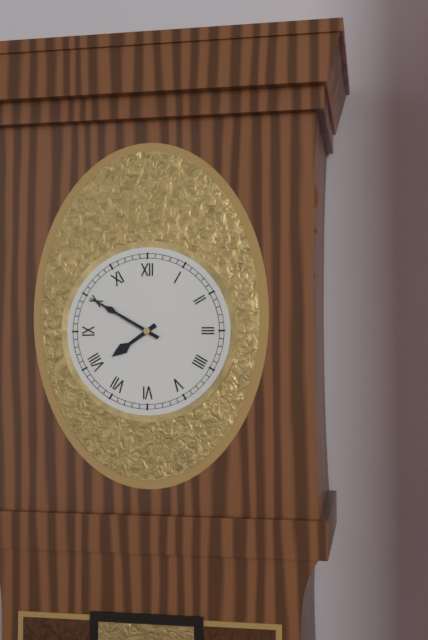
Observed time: 7:50
